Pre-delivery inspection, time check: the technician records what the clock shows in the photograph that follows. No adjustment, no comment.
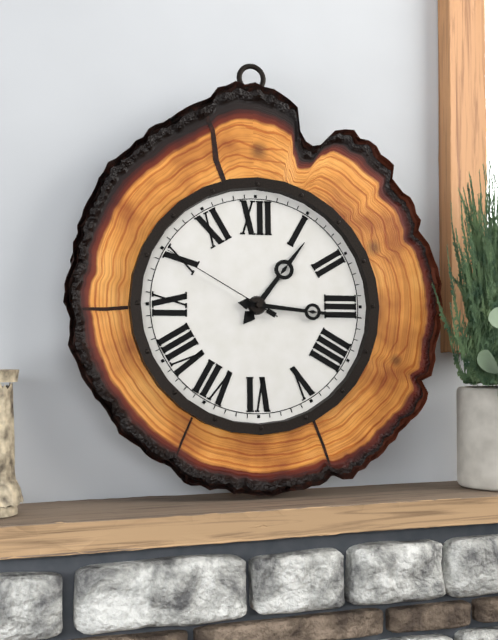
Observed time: 1:16:50
